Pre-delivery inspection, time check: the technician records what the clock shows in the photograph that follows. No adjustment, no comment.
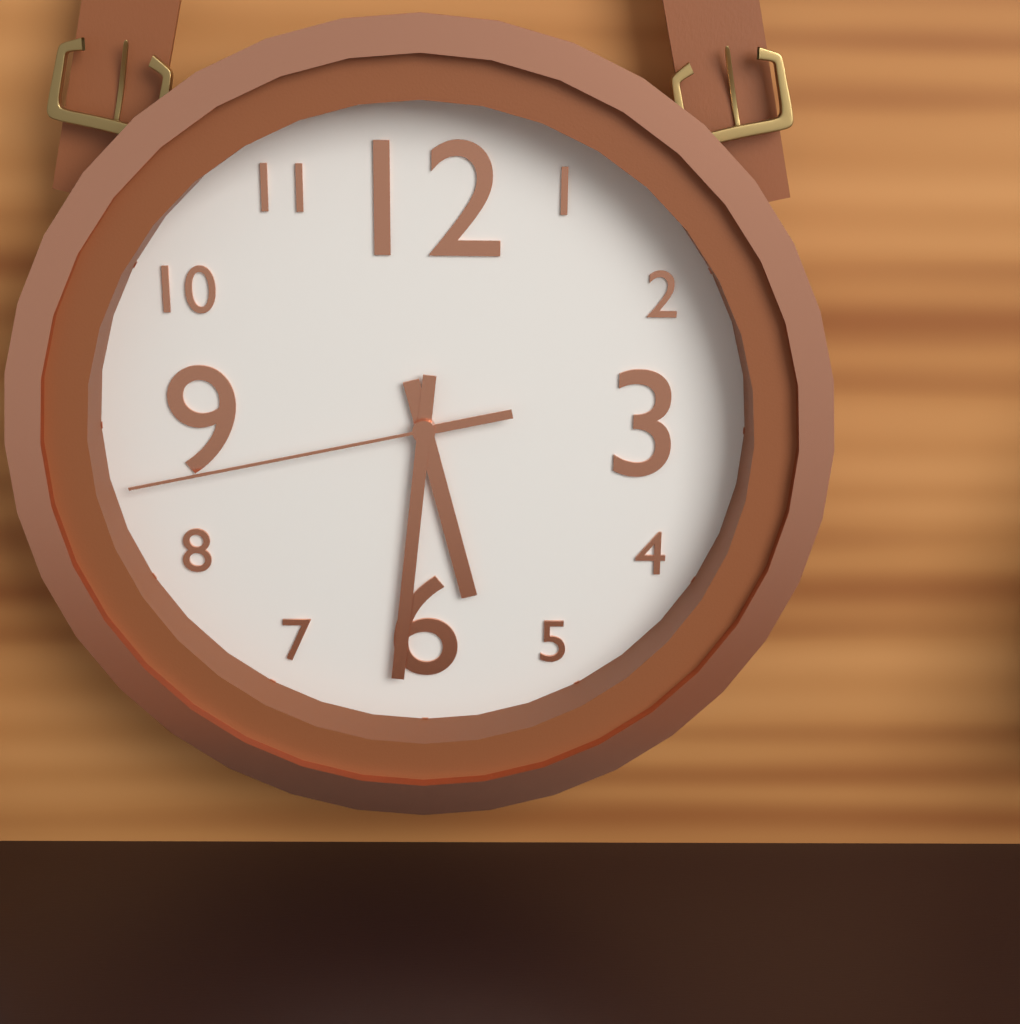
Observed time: 5:31:43
